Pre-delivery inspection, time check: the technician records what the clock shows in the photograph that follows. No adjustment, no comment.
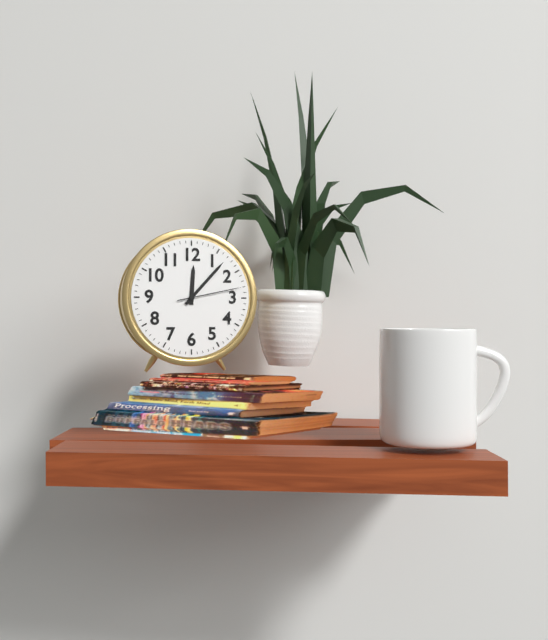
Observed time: 12:07:13
